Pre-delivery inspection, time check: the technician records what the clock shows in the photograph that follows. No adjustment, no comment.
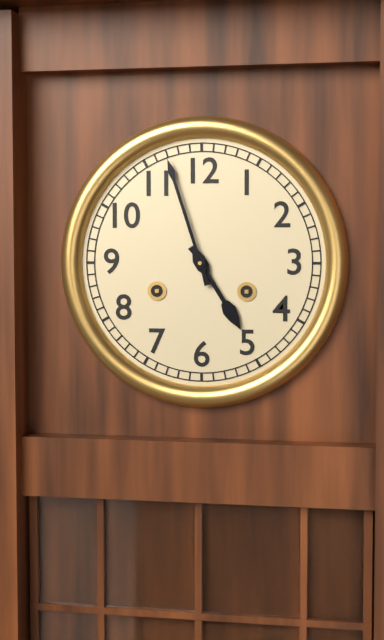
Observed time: 4:57
